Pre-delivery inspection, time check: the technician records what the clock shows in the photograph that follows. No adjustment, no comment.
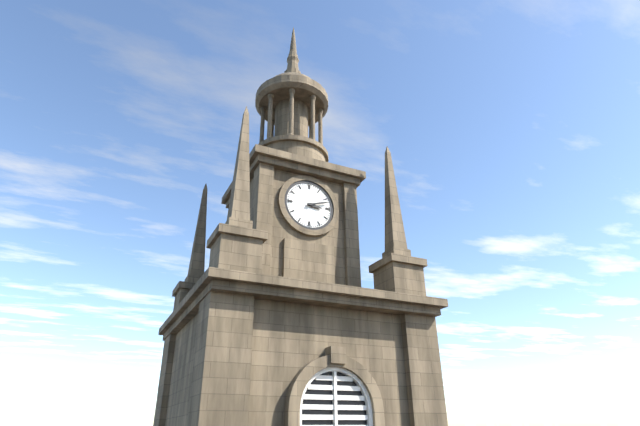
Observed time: 3:12
